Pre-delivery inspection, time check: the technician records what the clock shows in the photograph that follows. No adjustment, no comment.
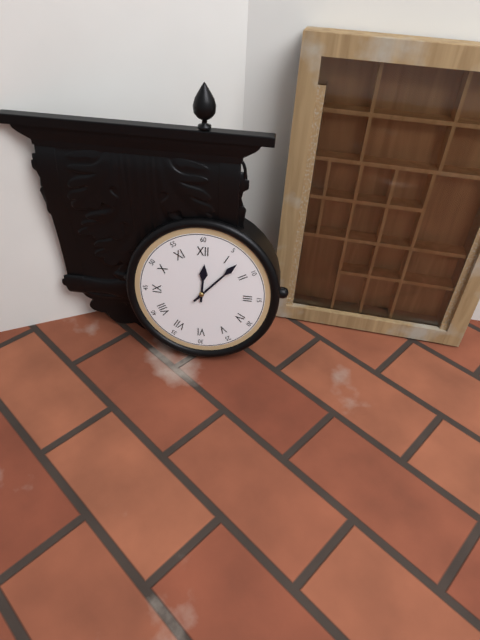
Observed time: 12:07
